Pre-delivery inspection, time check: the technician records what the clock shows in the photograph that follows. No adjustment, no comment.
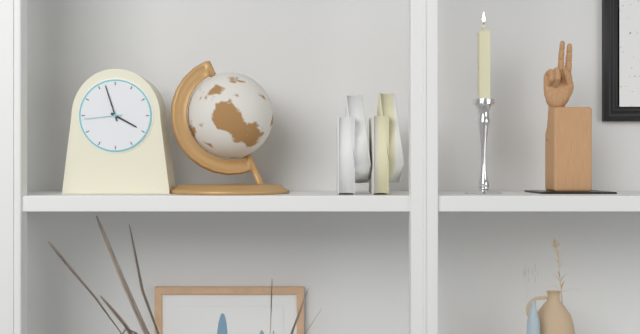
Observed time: 3:57
